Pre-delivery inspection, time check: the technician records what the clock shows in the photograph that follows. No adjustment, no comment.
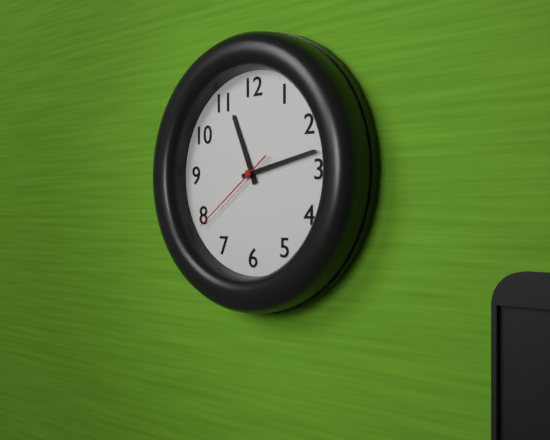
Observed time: 11:13:39
